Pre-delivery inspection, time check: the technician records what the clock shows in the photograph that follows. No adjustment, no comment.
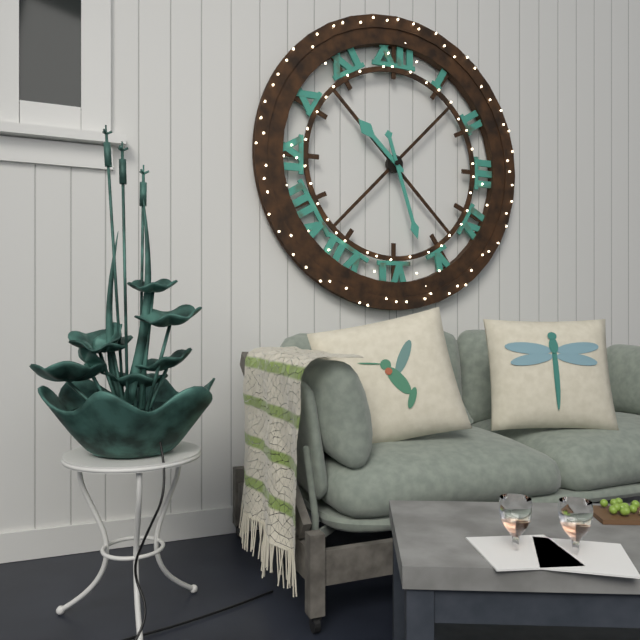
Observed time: 10:27
